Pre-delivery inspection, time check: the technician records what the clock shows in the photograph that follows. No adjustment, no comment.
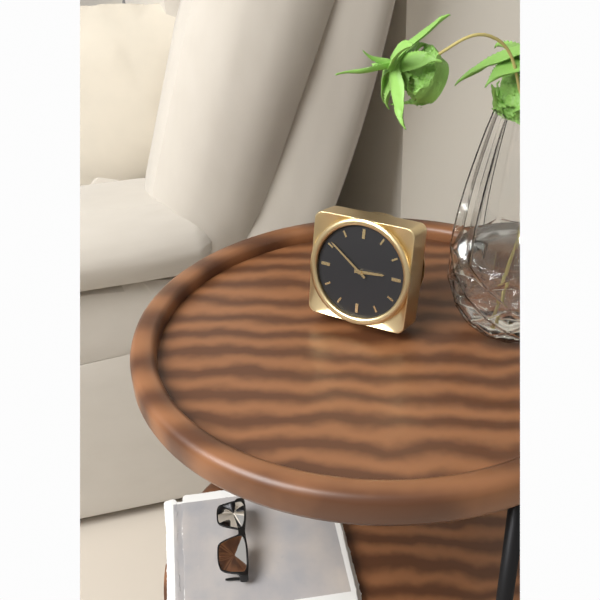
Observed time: 2:51
